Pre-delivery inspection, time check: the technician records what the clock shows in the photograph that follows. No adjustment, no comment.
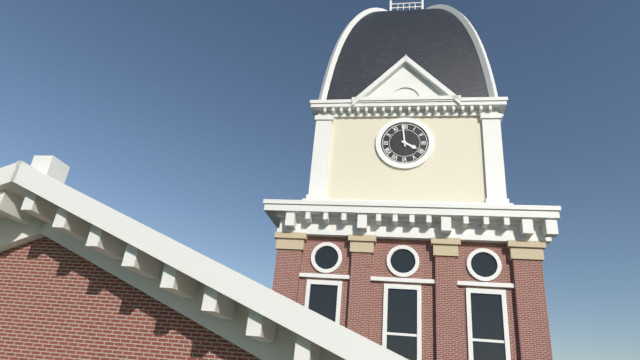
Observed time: 3:59
